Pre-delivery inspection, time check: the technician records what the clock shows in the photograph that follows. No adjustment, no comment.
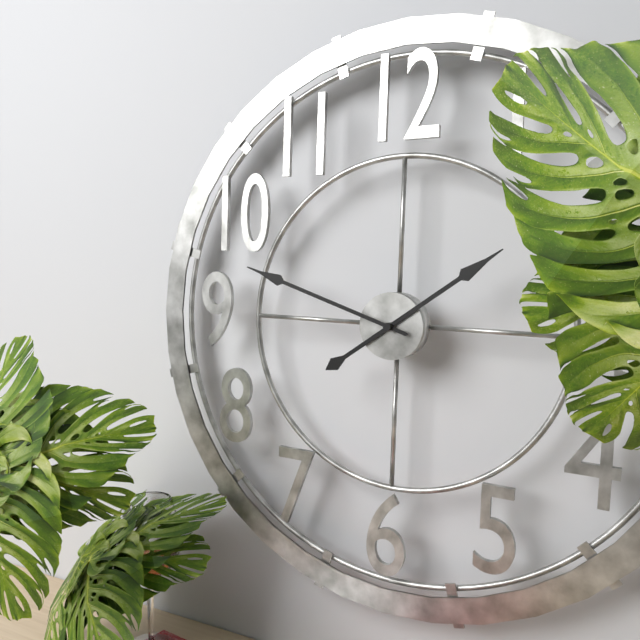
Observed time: 1:48
